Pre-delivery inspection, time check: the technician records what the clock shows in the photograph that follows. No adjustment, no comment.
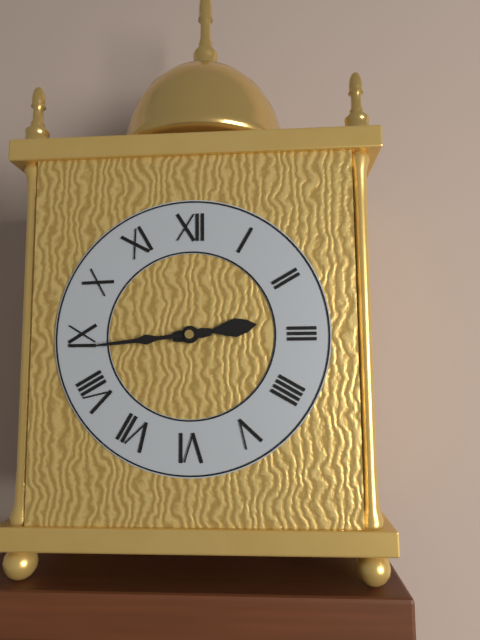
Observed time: 2:44
